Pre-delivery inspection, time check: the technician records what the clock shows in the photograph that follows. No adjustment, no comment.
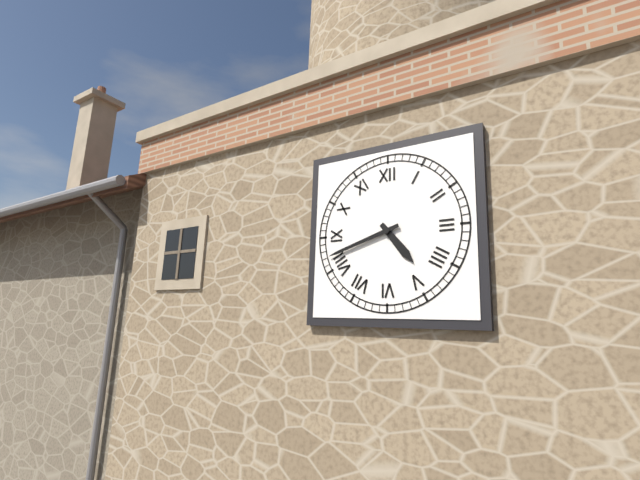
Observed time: 4:42
